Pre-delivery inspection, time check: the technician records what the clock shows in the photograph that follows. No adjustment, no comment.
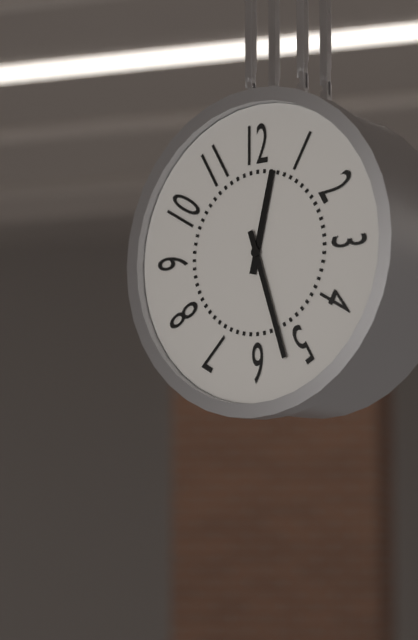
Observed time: 12:27
